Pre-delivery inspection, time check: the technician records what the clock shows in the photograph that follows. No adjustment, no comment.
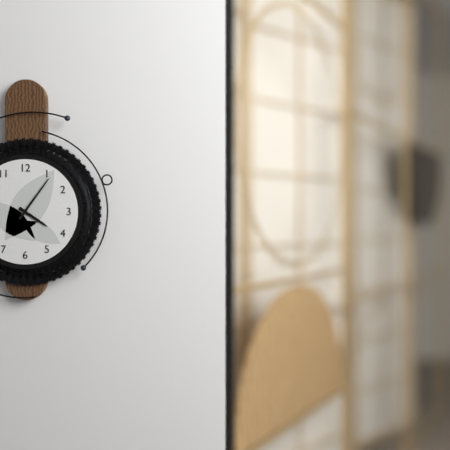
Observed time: 4:06
